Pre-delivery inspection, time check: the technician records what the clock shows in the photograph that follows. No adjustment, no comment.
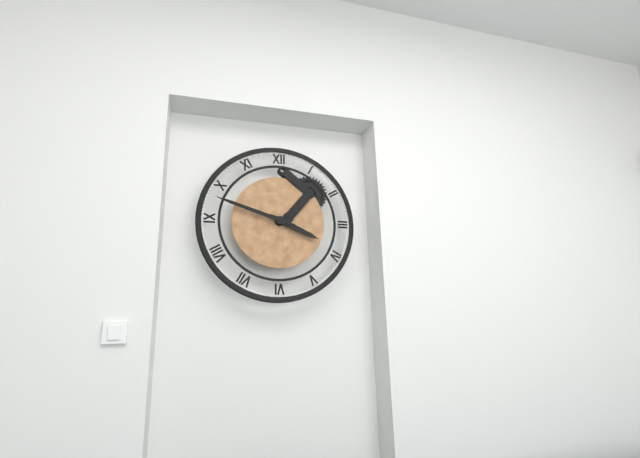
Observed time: 3:48
